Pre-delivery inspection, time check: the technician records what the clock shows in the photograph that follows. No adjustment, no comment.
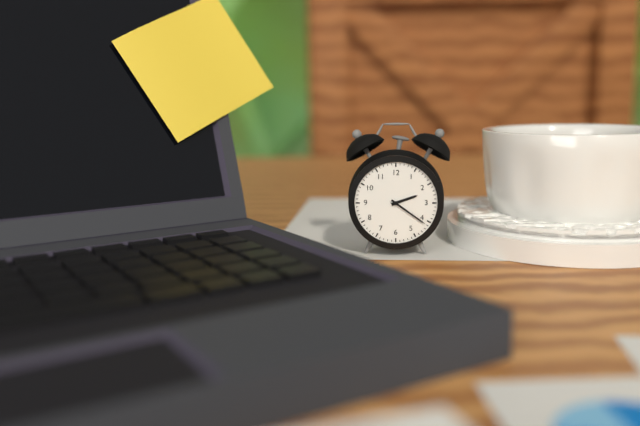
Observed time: 2:21
